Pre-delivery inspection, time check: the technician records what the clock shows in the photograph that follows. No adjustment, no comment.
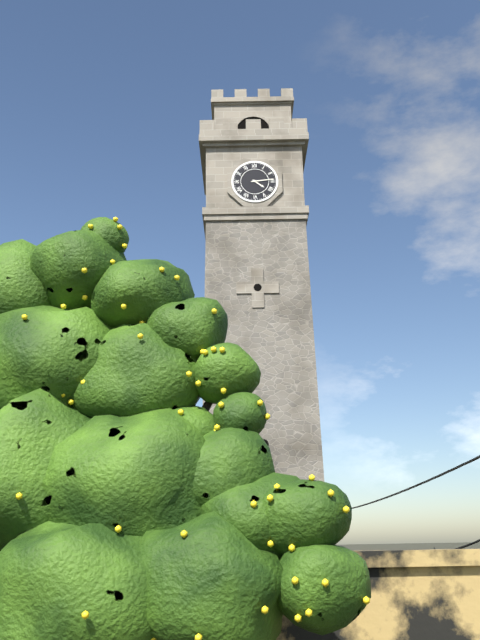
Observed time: 4:14
